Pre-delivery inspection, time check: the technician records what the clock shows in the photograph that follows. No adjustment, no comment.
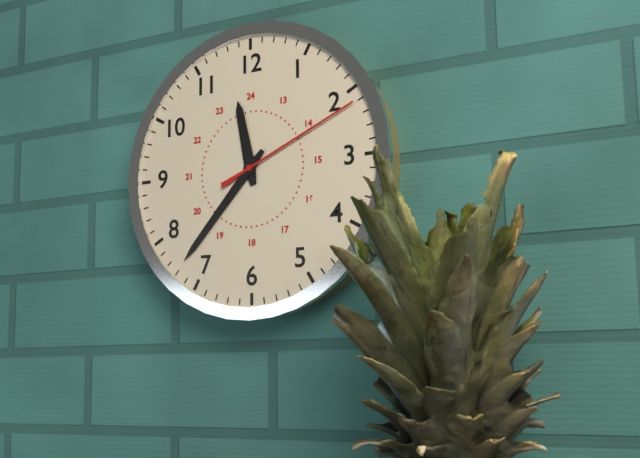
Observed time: 11:37:11
